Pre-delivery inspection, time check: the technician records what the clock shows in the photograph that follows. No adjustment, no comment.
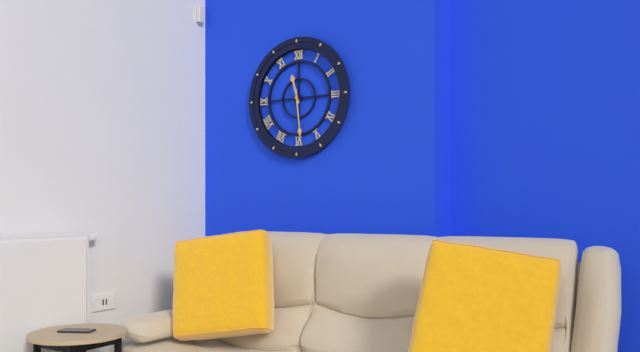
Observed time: 11:29
